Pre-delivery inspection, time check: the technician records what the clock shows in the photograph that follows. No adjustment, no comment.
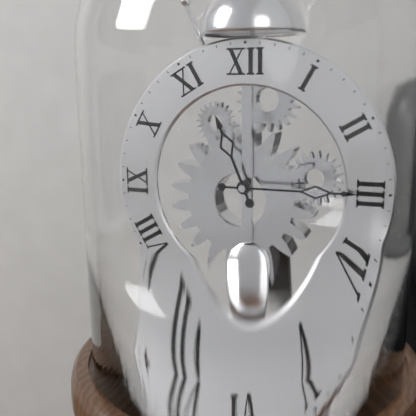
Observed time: 11:15
